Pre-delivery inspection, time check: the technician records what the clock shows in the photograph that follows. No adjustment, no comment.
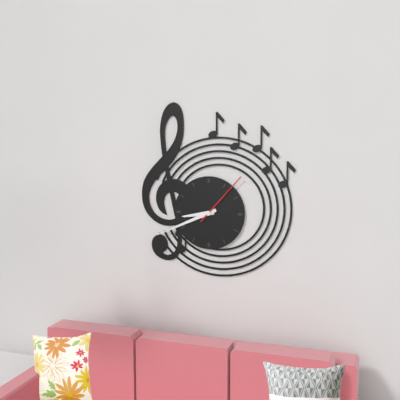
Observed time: 8:41:07
